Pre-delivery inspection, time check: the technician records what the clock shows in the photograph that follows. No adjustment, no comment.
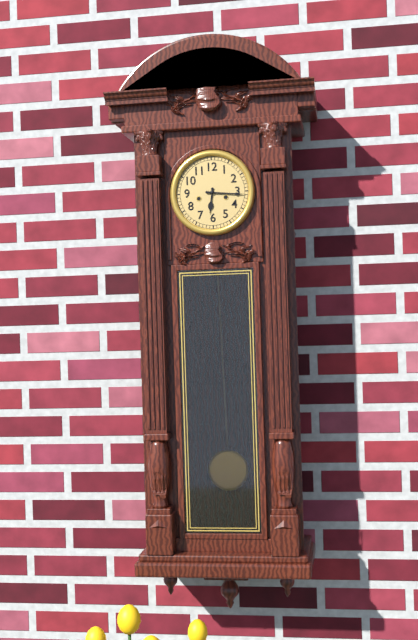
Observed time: 6:16
